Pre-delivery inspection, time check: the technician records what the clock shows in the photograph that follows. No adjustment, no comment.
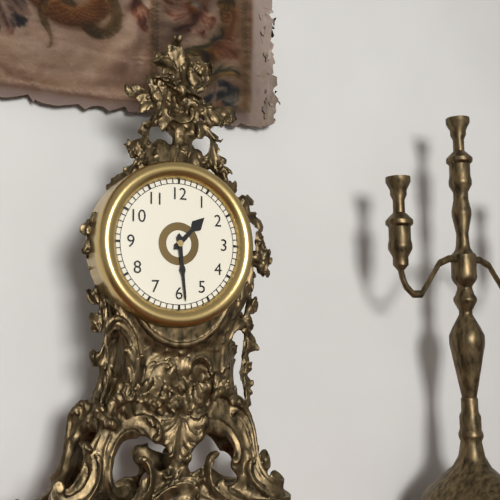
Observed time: 1:29
